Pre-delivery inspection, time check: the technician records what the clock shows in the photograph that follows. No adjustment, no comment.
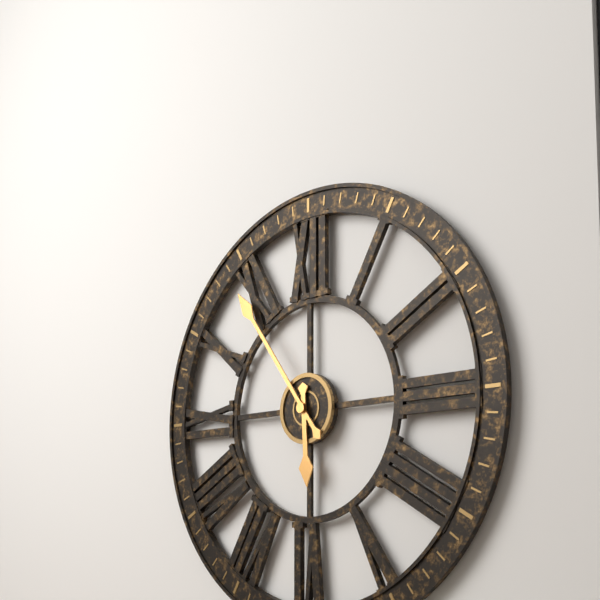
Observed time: 5:54
